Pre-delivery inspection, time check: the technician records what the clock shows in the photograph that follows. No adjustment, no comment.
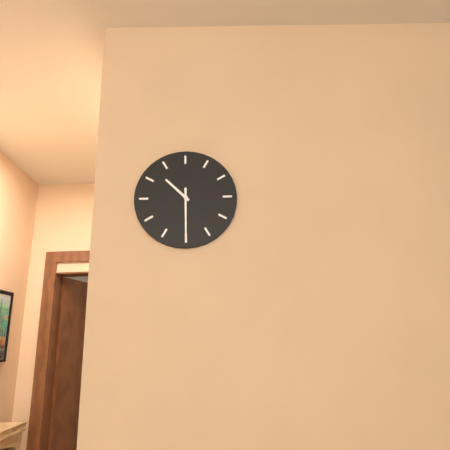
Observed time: 10:30
